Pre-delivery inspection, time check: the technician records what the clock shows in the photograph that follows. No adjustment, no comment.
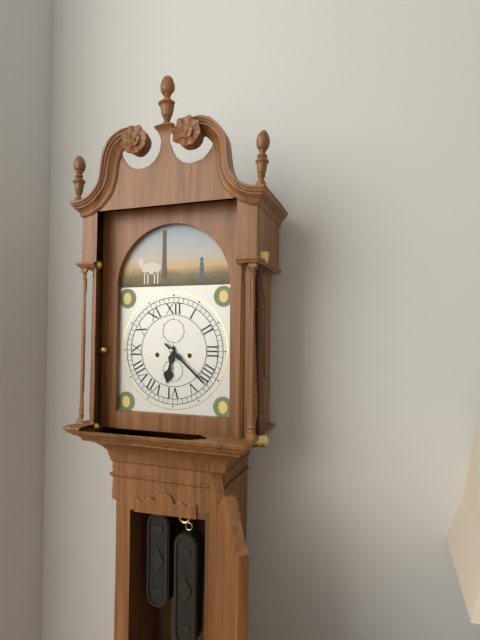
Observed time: 6:22
